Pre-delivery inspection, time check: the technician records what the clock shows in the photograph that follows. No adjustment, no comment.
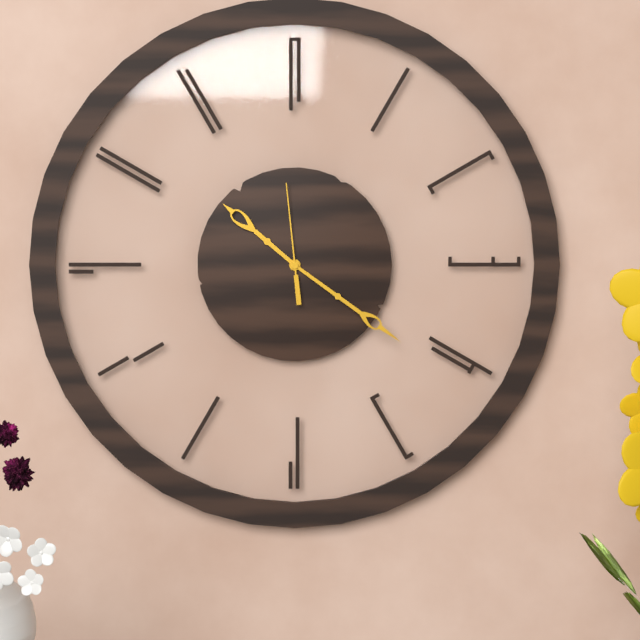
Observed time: 10:21:59
